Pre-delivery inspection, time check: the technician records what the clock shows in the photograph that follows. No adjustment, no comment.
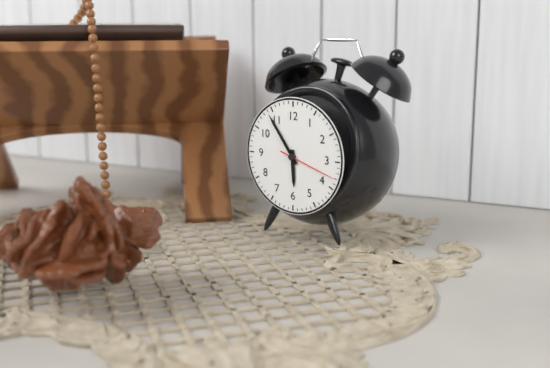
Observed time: 5:54:18
